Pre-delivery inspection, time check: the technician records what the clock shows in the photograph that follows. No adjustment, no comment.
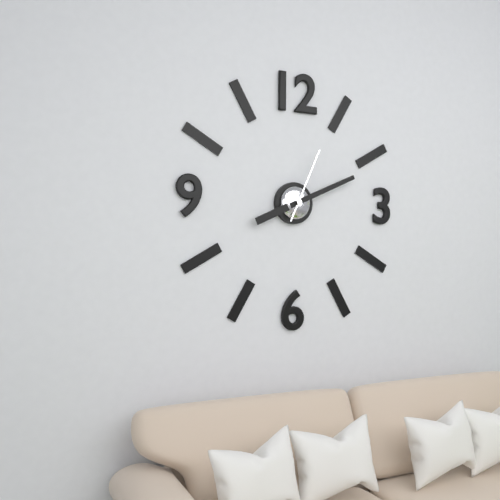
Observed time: 8:11:04
